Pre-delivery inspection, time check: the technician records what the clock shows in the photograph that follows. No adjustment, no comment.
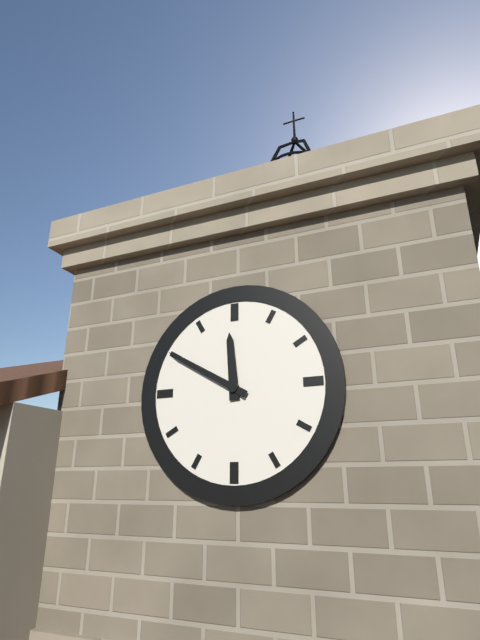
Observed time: 11:50
